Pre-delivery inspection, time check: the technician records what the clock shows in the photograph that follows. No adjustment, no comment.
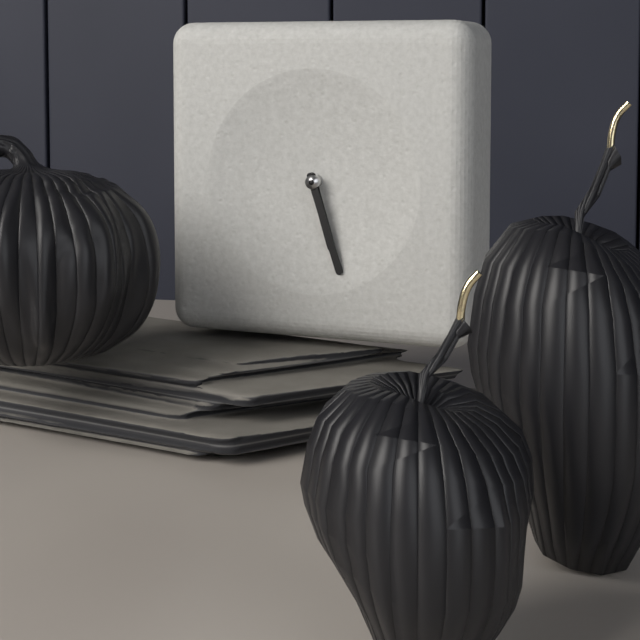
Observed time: 5:27
